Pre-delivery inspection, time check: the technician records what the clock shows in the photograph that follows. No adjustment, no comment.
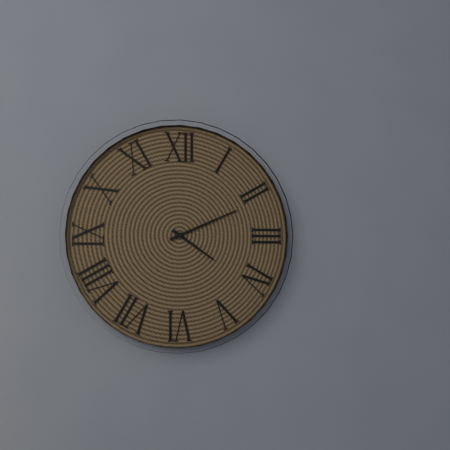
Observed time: 4:11
